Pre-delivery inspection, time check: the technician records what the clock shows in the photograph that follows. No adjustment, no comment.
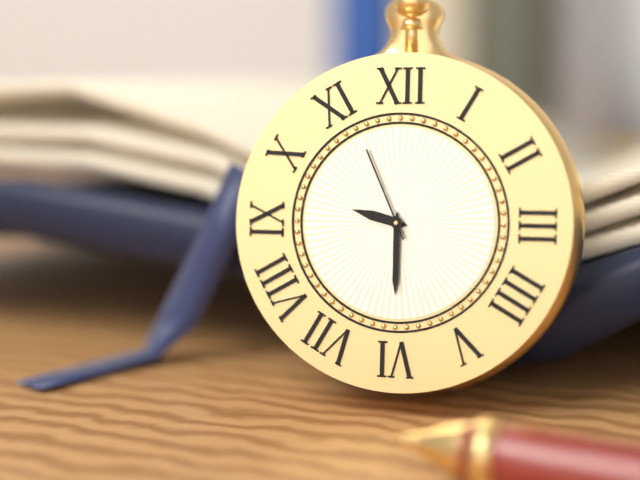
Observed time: 9:30:56
